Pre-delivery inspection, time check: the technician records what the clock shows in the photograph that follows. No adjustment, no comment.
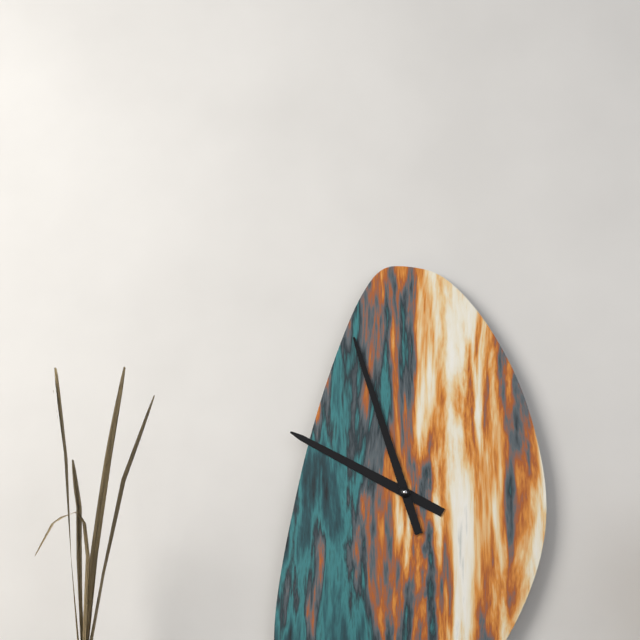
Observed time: 9:57
